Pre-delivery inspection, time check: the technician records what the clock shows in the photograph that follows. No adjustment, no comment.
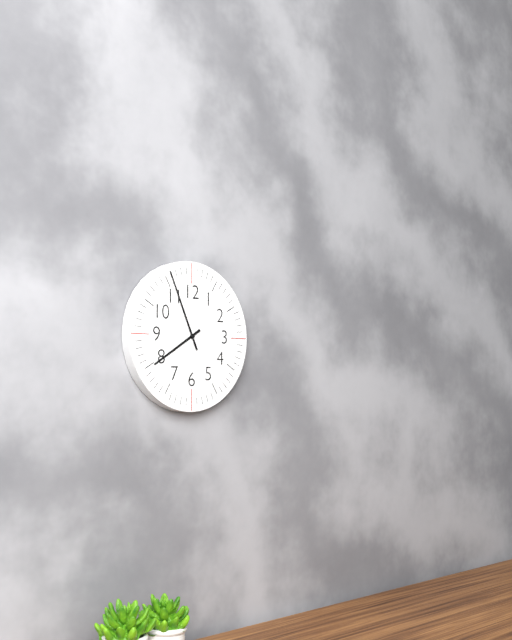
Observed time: 7:56
